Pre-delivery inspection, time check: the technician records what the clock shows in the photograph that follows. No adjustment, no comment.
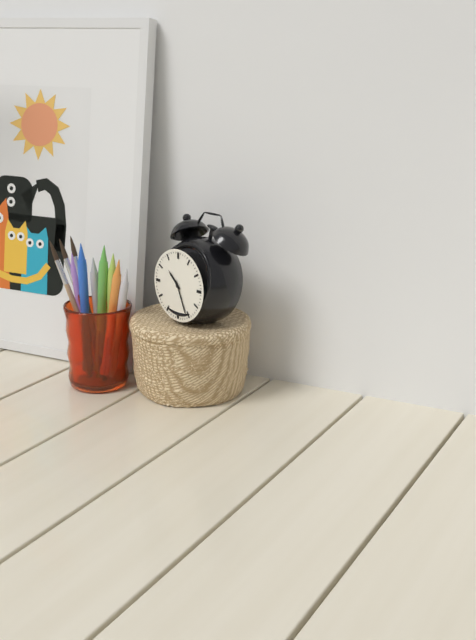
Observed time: 10:26
